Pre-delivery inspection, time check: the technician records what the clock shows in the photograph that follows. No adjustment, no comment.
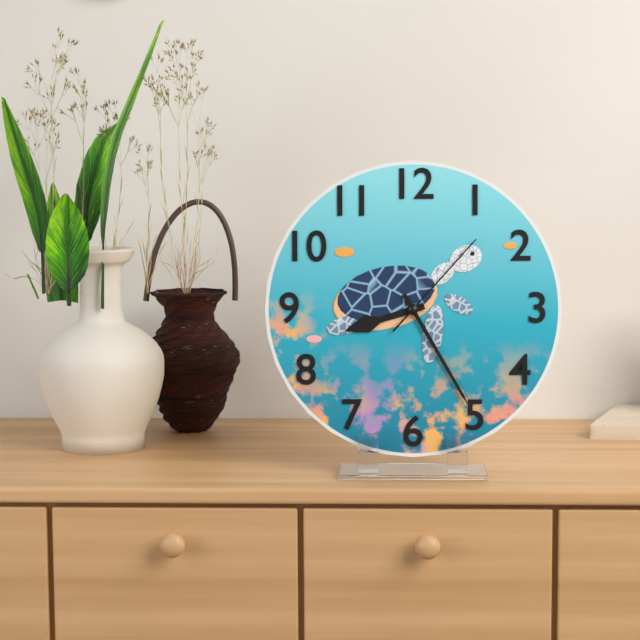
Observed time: 8:25:07
